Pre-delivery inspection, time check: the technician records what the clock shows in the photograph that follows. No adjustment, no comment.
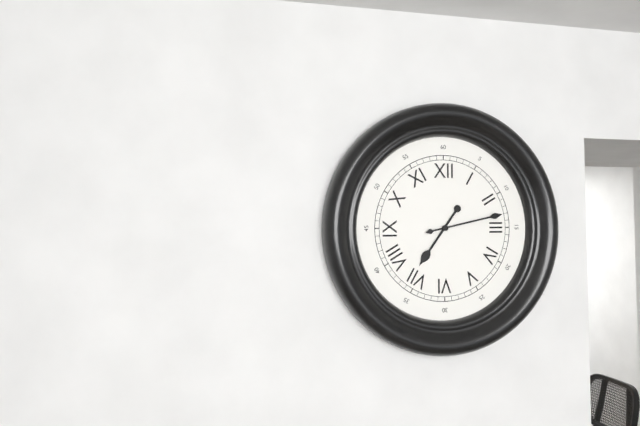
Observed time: 7:13
